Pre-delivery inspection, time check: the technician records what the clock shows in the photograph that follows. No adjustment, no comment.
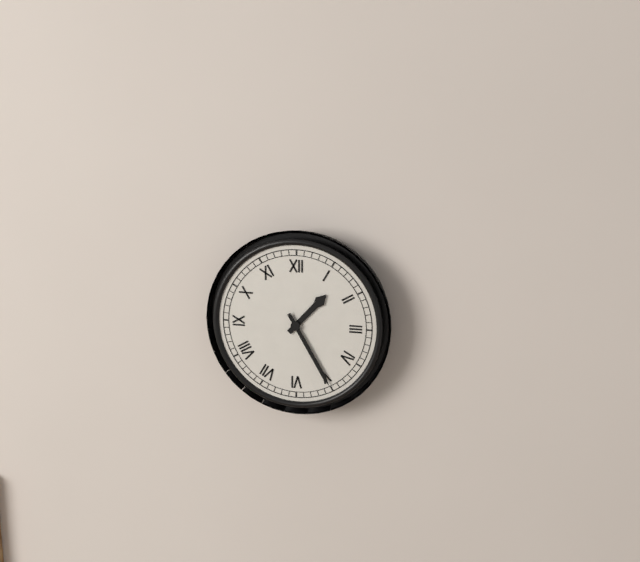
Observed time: 1:25
